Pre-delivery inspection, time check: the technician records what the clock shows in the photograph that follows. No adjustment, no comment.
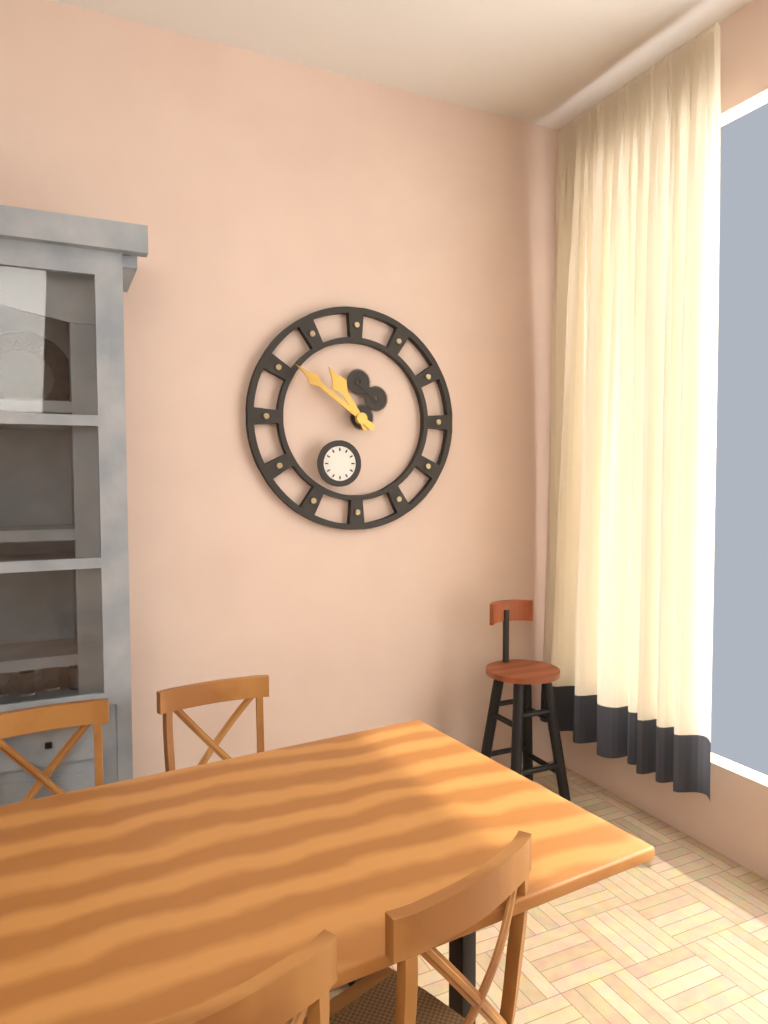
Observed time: 10:51
